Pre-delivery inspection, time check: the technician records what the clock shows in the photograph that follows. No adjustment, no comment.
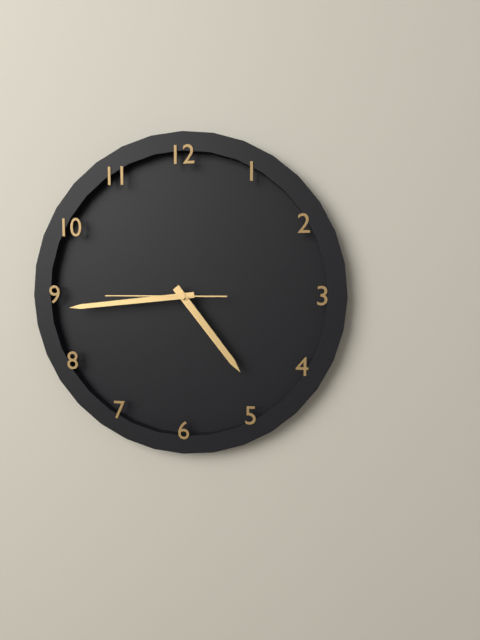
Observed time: 4:44:45
